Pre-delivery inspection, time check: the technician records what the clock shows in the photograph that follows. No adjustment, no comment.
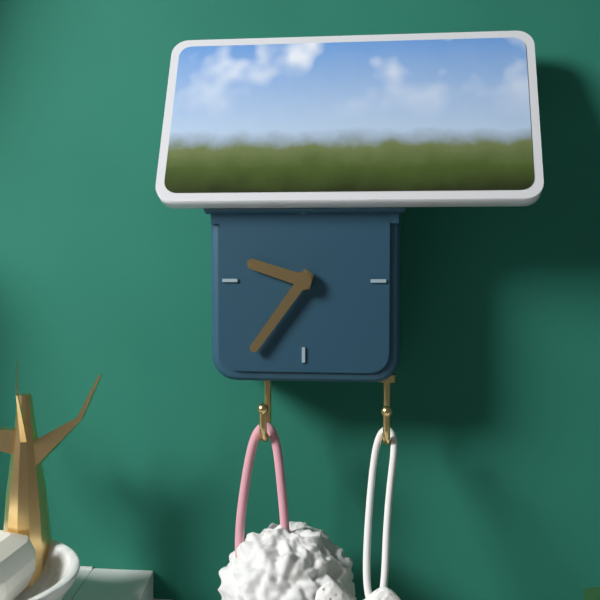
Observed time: 9:36
